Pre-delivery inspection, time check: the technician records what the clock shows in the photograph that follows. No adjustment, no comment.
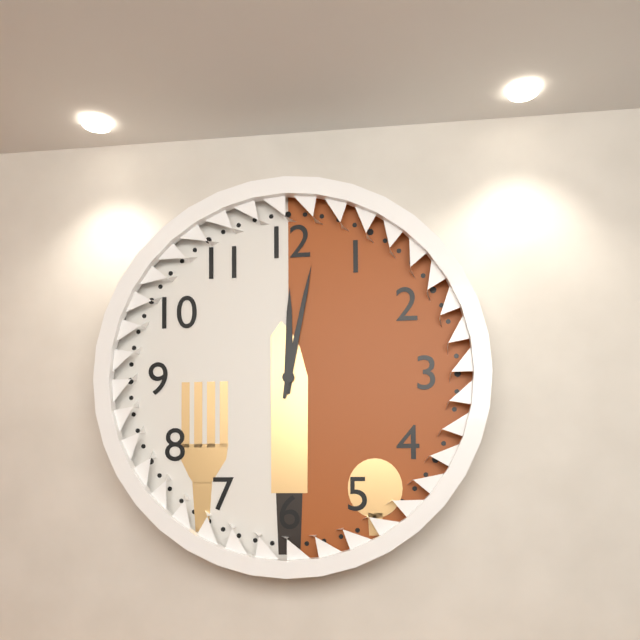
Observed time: 12:02
